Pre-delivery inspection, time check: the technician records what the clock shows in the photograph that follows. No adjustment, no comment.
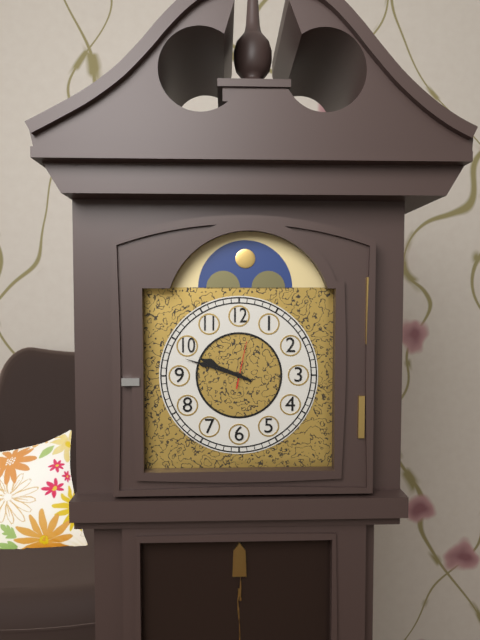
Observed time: 9:48
